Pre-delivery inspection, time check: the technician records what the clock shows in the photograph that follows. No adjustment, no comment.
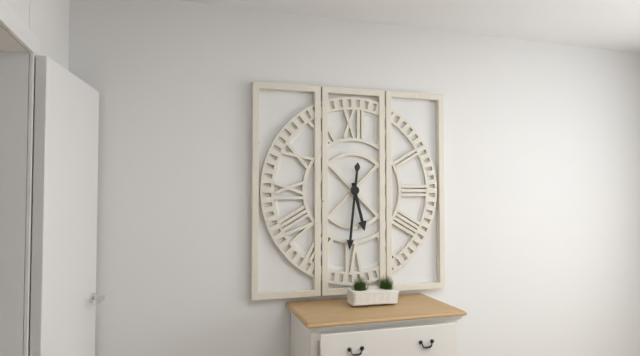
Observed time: 5:31
